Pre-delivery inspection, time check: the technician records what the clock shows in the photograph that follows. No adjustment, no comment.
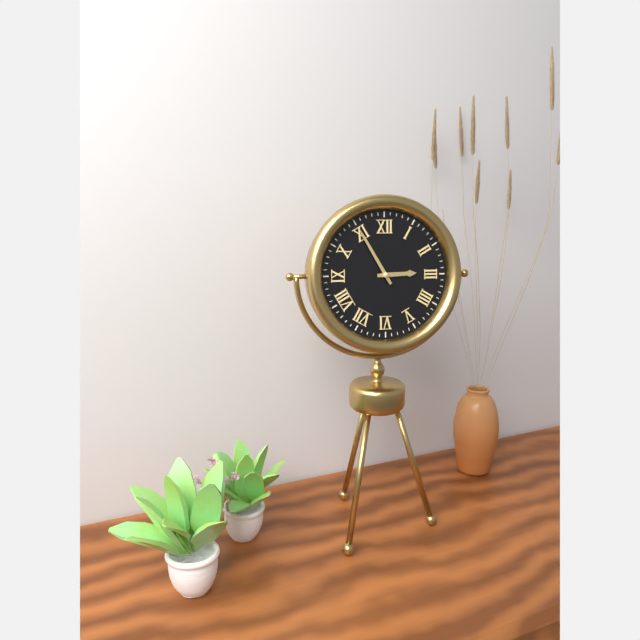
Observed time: 2:55
